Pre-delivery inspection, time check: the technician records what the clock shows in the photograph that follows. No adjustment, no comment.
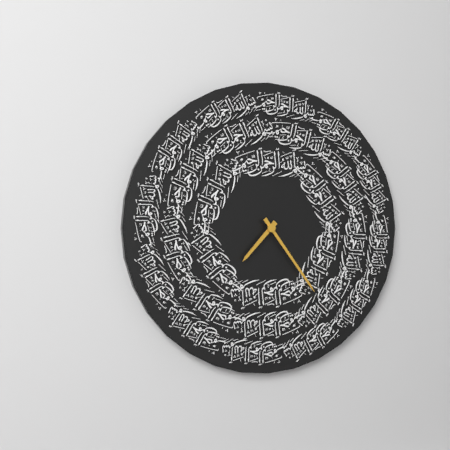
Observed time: 7:24
